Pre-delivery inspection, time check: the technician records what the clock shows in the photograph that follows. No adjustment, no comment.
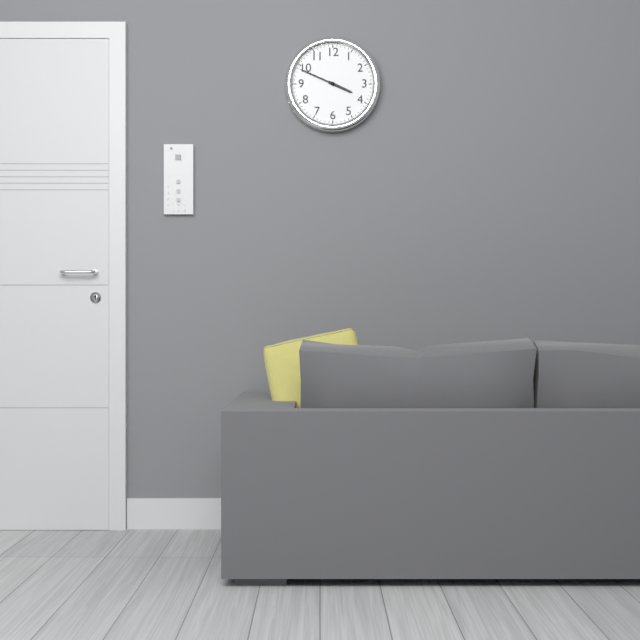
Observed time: 3:49
